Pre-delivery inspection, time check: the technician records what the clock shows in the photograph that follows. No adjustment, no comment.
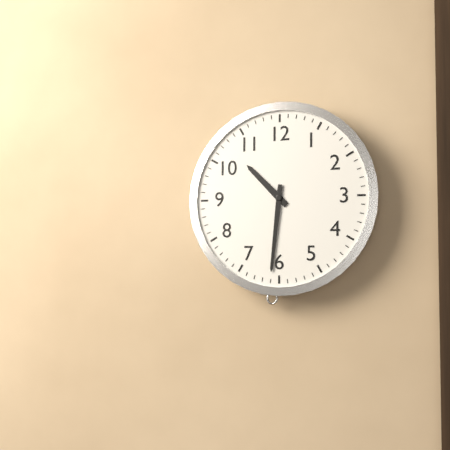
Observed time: 10:31
